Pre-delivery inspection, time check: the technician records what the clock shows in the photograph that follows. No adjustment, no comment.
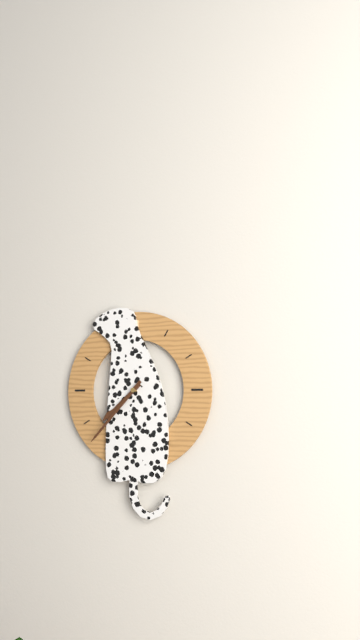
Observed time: 7:37
